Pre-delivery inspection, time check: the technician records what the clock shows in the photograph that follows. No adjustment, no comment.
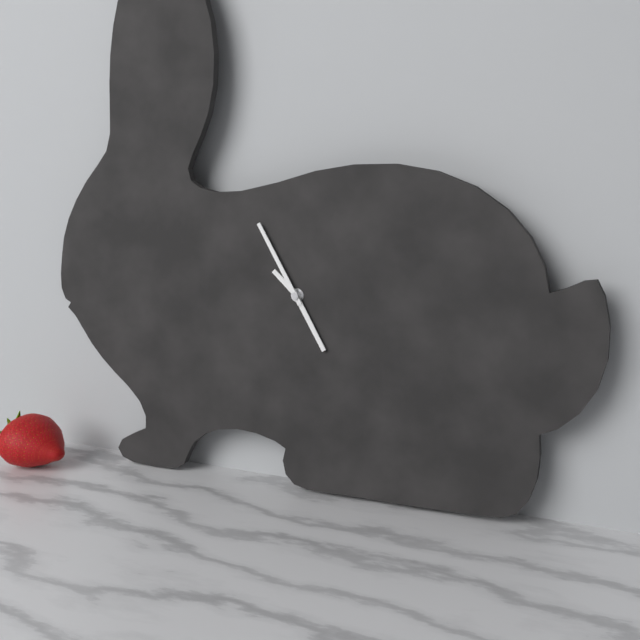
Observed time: 10:25:55
